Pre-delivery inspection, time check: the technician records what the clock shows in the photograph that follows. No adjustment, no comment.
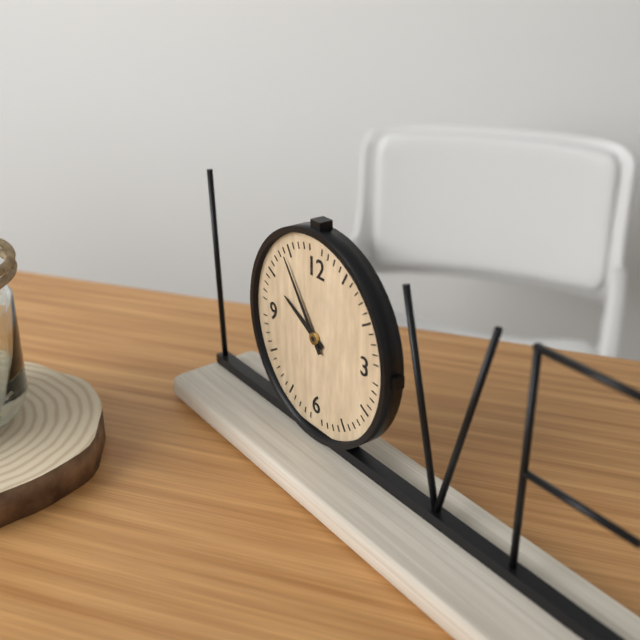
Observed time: 9:54
